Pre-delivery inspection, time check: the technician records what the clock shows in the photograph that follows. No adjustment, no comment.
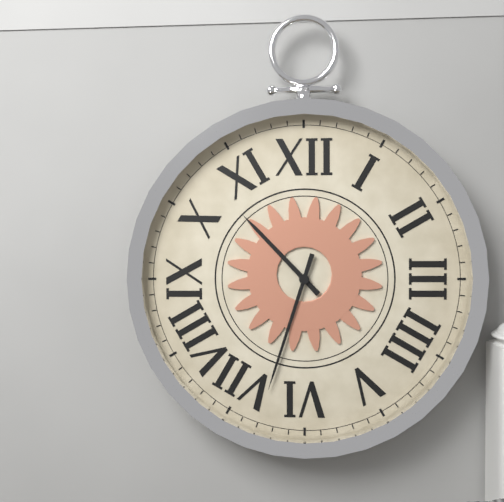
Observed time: 10:33
